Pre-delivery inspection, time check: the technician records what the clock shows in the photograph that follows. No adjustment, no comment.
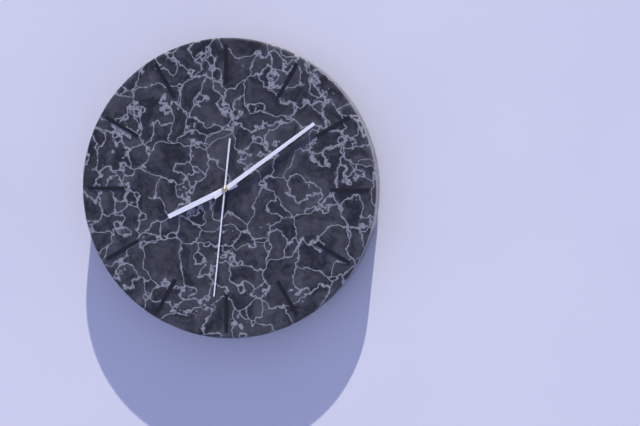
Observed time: 8:09:31
